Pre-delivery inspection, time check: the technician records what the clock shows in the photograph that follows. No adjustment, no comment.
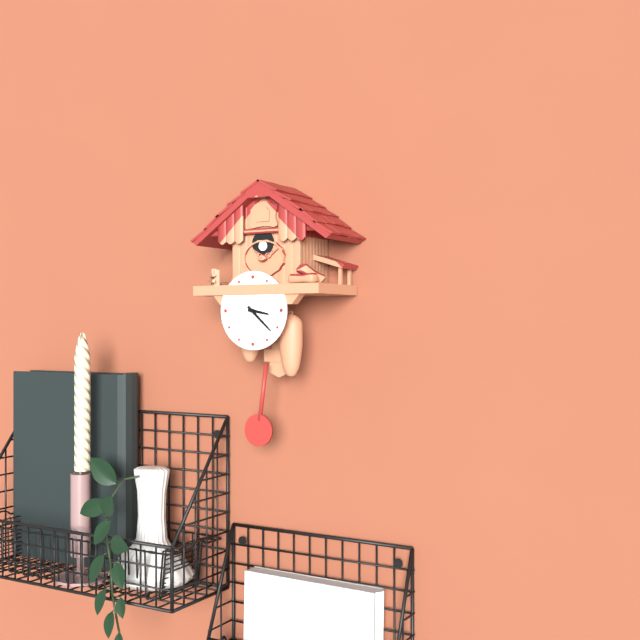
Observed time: 3:22
